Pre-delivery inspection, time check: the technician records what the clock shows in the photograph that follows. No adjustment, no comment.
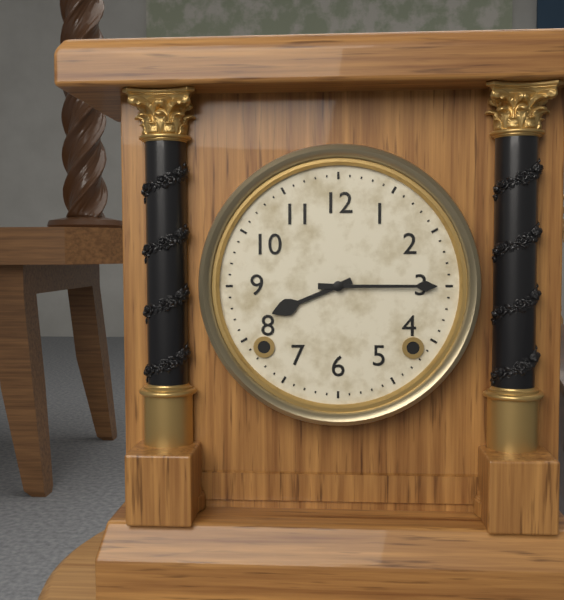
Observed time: 8:15
